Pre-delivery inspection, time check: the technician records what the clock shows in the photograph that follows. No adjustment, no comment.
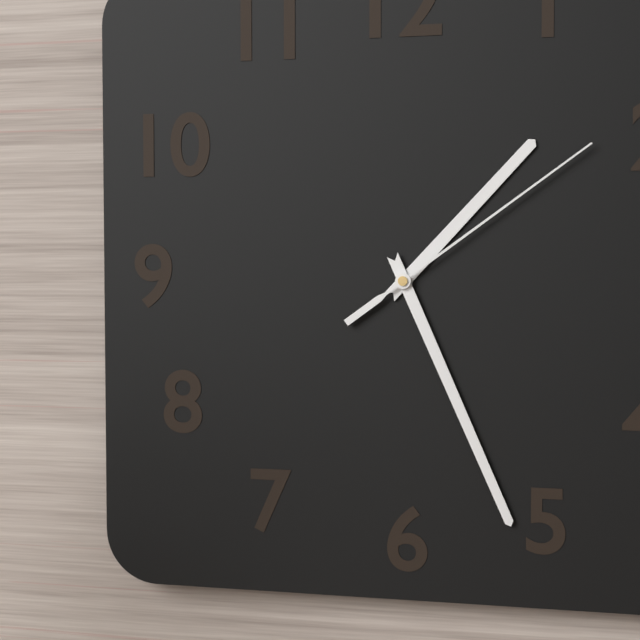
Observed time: 1:26:09
